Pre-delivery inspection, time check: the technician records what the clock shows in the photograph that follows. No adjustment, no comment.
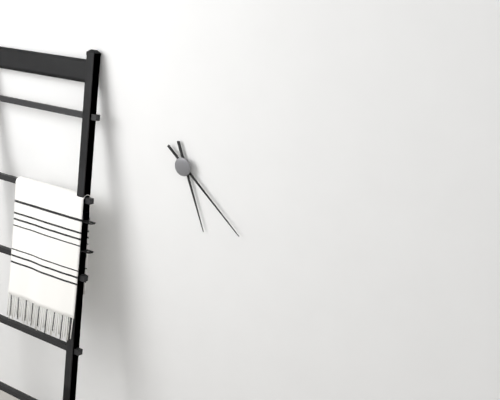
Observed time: 5:22
